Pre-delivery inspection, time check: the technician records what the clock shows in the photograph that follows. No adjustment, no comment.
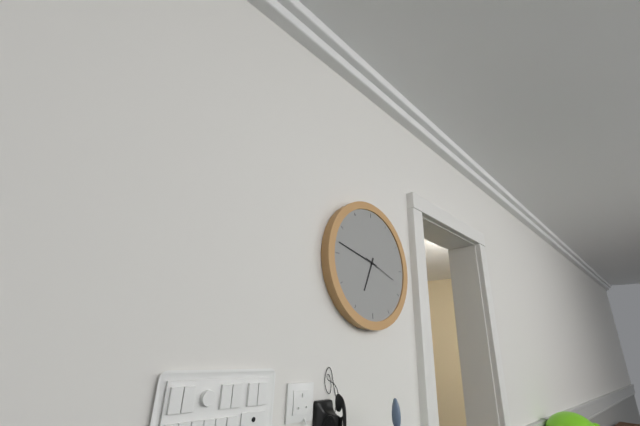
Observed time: 6:47
